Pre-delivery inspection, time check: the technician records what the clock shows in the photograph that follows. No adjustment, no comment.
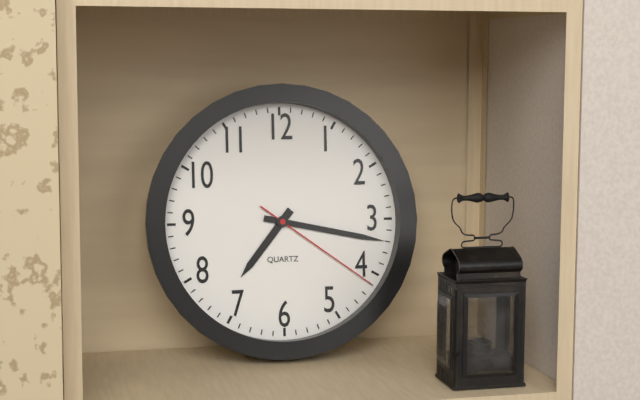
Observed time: 7:17:21
